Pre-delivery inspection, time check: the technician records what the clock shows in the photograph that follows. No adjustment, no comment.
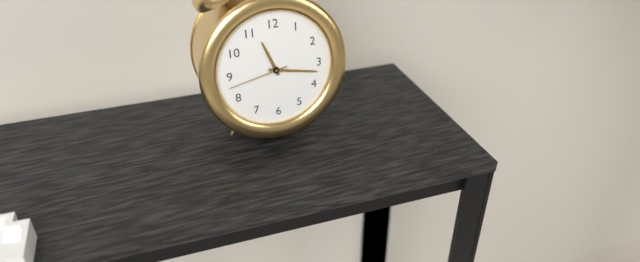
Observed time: 11:17:43
